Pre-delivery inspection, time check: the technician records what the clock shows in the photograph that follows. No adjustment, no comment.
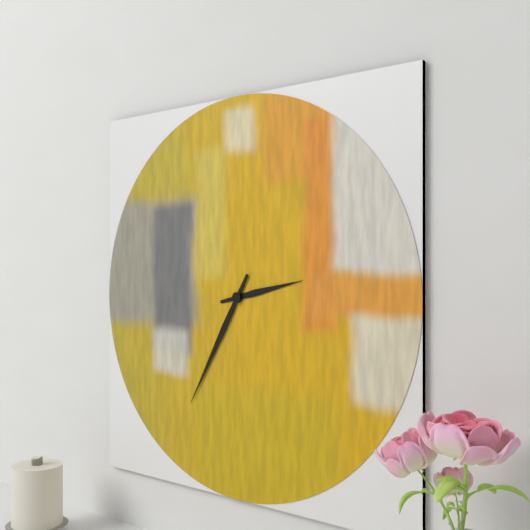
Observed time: 2:35
